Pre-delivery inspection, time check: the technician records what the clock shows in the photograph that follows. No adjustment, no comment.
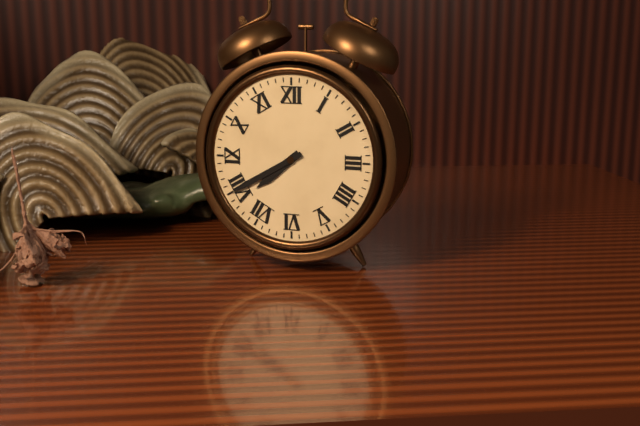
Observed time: 7:40
